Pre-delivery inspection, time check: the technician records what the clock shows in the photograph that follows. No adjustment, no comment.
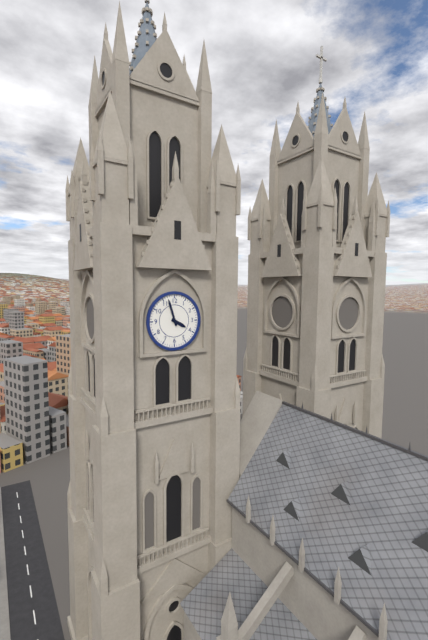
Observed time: 3:57
